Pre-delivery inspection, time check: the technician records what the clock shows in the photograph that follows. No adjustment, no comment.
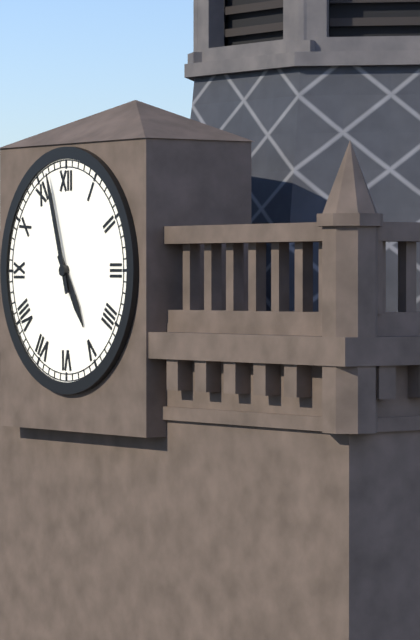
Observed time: 4:57
